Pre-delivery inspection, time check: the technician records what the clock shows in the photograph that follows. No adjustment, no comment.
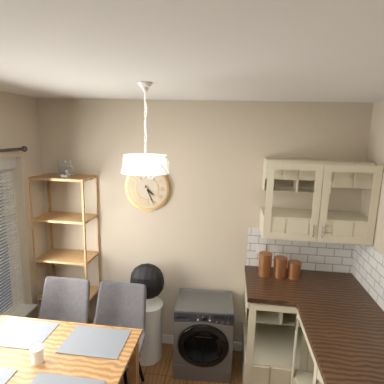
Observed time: 4:26
